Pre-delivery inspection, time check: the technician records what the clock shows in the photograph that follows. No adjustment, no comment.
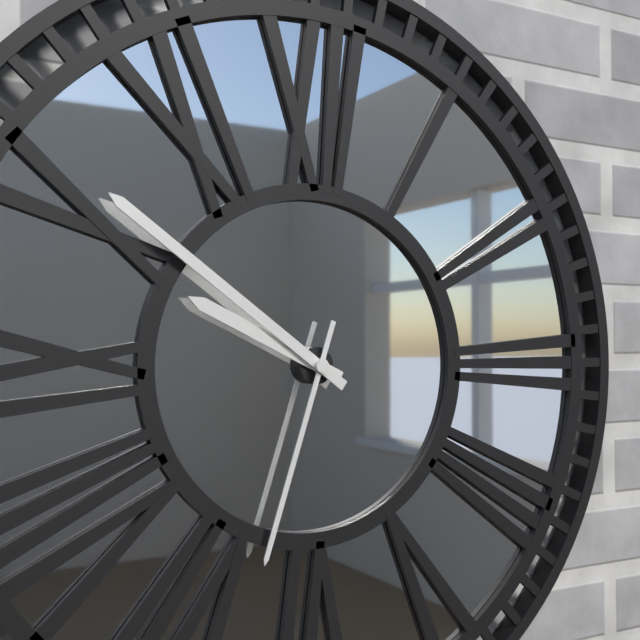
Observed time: 9:51:33
